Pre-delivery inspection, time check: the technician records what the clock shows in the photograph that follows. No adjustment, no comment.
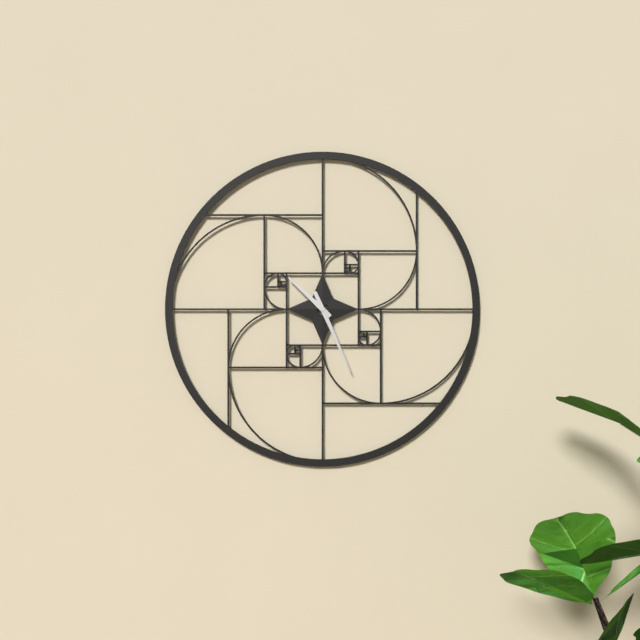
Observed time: 10:26
